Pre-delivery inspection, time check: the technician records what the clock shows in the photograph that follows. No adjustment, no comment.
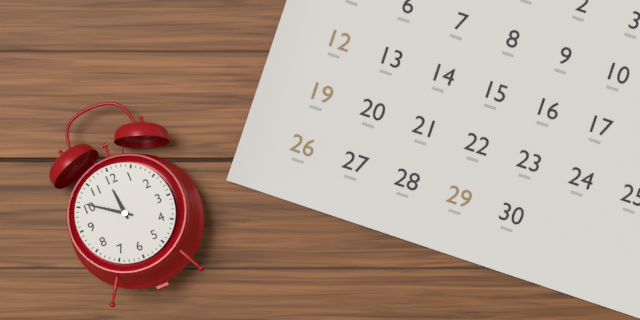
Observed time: 11:51
